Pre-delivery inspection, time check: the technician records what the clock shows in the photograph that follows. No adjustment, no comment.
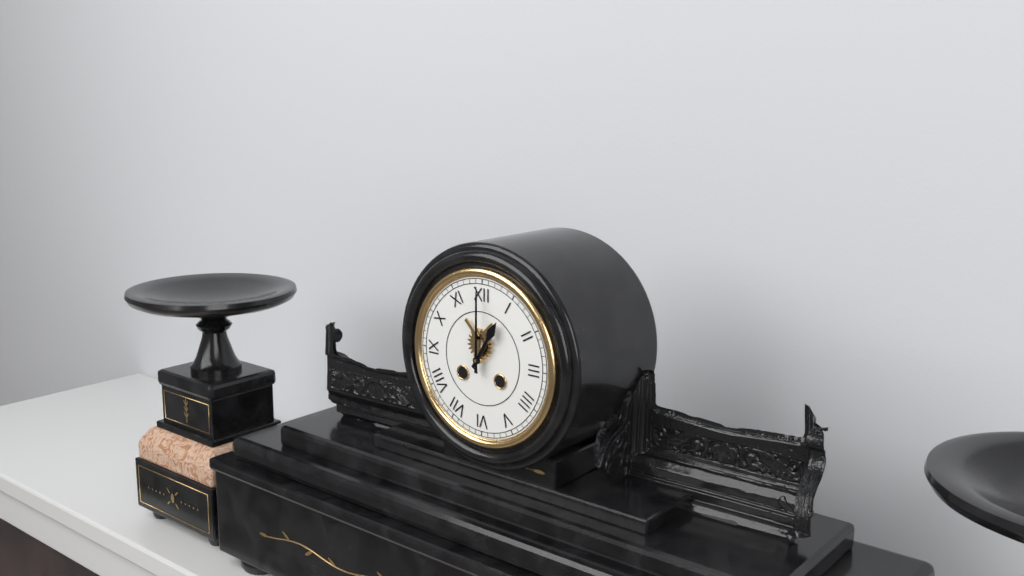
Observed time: 1:00
